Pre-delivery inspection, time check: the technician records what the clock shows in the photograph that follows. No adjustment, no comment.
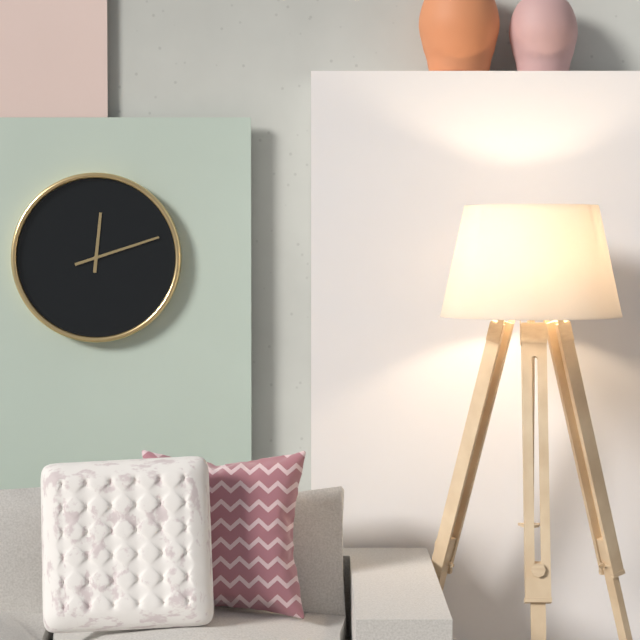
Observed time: 12:12
